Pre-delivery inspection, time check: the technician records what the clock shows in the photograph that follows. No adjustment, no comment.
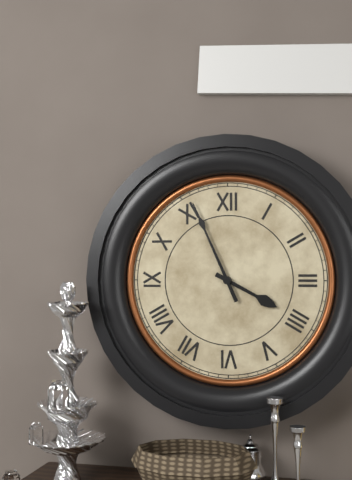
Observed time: 3:56
